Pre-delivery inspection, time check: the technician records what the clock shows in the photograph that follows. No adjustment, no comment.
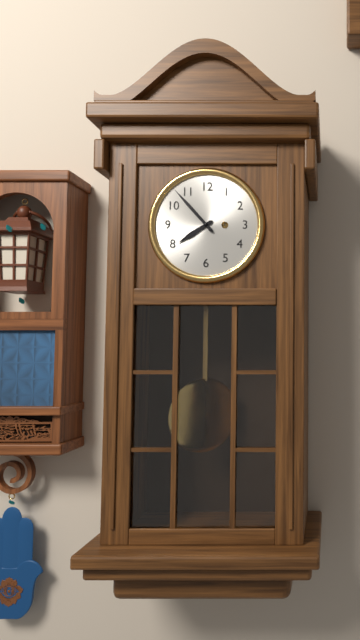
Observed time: 7:53
